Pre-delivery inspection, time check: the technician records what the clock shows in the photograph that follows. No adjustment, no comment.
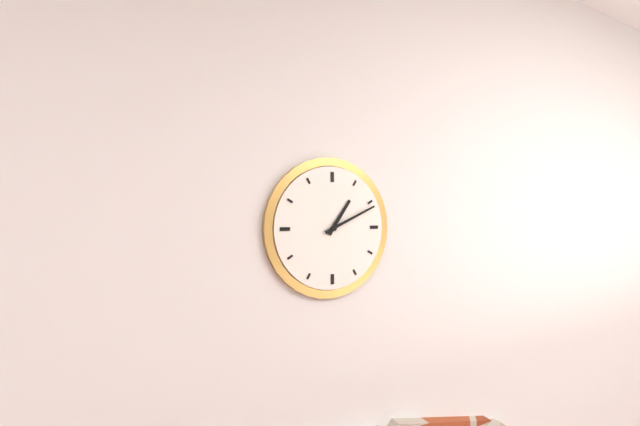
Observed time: 1:11
